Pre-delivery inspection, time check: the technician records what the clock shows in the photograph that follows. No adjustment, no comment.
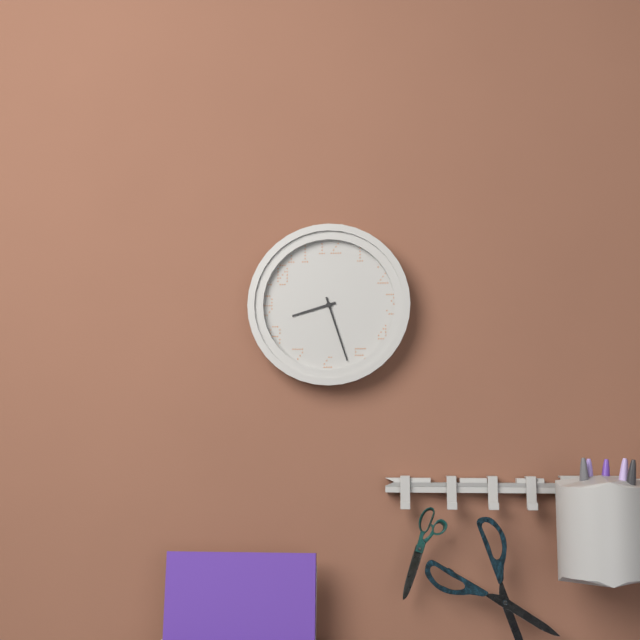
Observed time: 8:27
